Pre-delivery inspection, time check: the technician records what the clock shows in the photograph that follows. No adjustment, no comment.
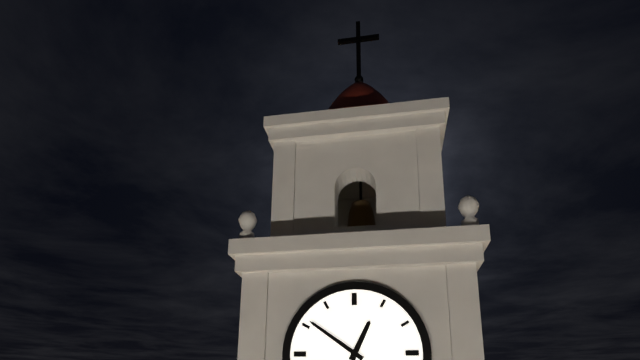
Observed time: 12:51
